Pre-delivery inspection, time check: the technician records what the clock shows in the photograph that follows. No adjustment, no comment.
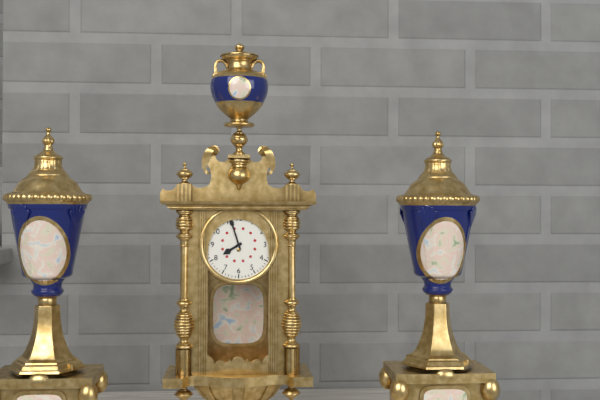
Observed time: 7:57
